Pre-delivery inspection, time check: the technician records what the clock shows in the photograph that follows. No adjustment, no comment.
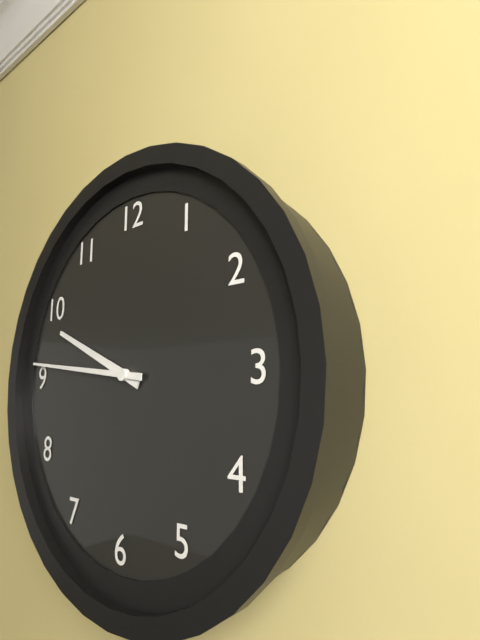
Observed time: 9:46
